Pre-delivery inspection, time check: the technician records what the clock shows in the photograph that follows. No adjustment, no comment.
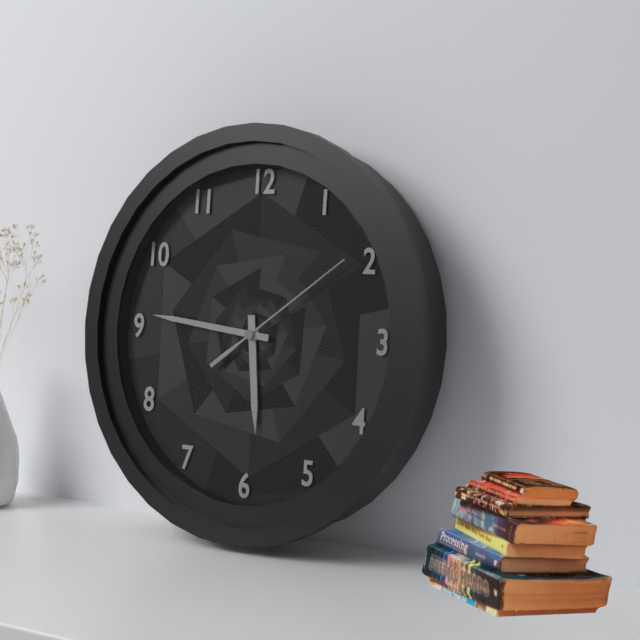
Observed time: 5:46:09
